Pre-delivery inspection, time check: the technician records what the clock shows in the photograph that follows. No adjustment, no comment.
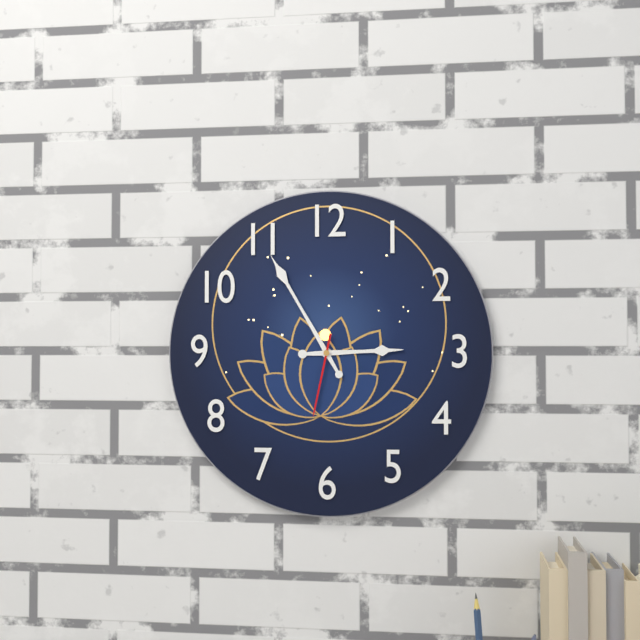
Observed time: 2:55:32
